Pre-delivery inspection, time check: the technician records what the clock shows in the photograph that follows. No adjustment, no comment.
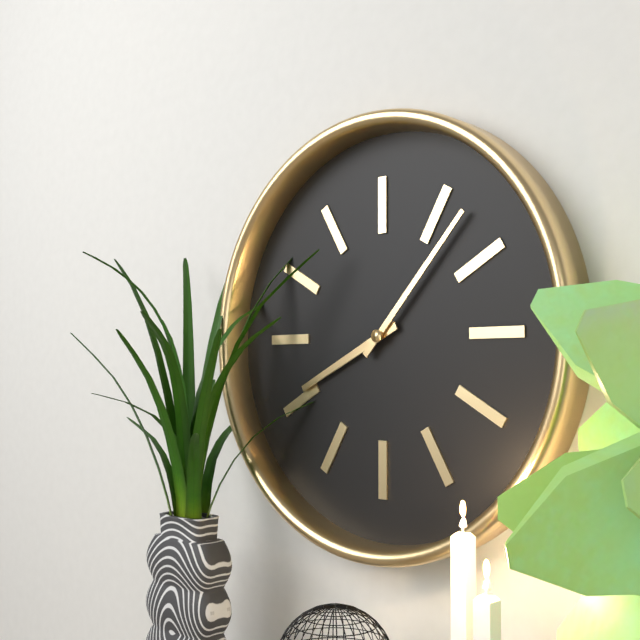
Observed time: 8:07
